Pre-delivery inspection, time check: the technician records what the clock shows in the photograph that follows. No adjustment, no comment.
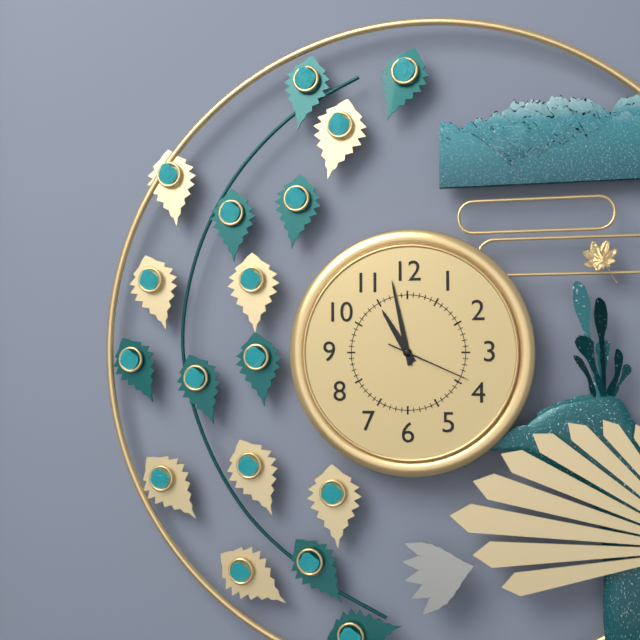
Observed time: 10:58:19
